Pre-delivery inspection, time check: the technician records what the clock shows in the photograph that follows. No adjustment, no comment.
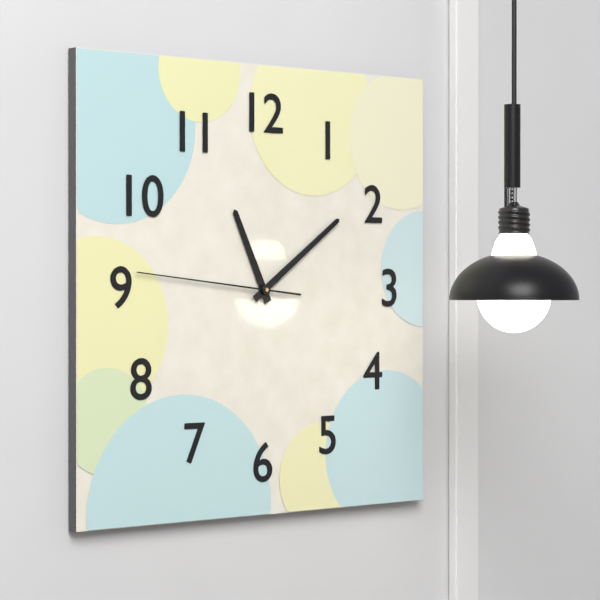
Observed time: 11:09:46
